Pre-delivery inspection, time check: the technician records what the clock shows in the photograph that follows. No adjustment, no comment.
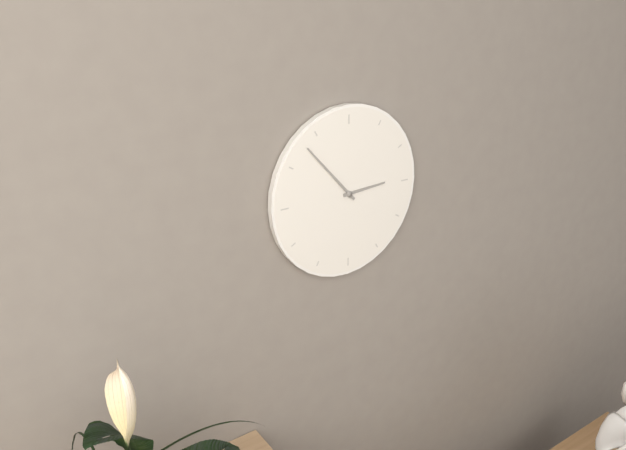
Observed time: 2:53
